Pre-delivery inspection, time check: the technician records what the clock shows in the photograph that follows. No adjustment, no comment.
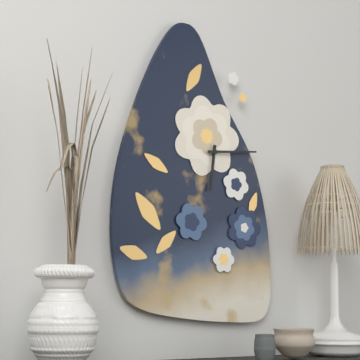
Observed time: 6:14
